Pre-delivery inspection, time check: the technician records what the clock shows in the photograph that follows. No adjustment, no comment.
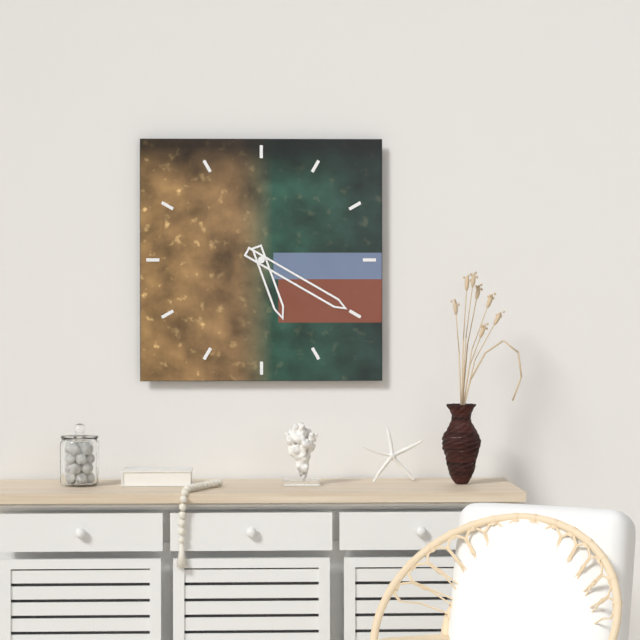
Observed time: 5:20
